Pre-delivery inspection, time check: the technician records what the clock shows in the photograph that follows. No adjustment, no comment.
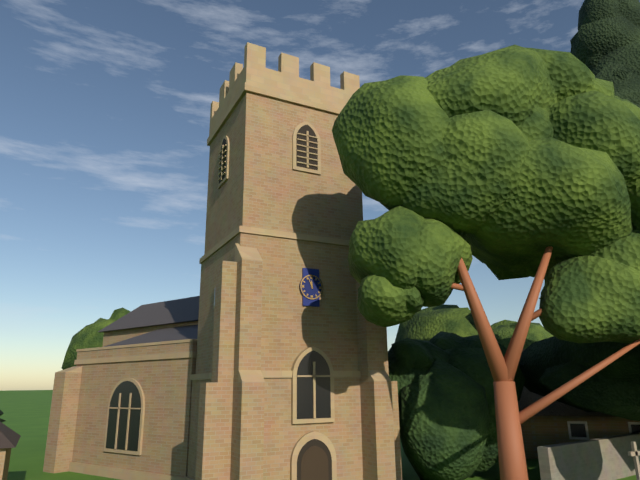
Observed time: 11:56
